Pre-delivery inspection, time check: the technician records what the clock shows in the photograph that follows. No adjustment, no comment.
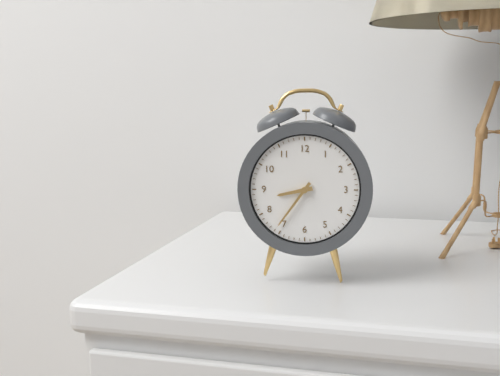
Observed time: 8:36
